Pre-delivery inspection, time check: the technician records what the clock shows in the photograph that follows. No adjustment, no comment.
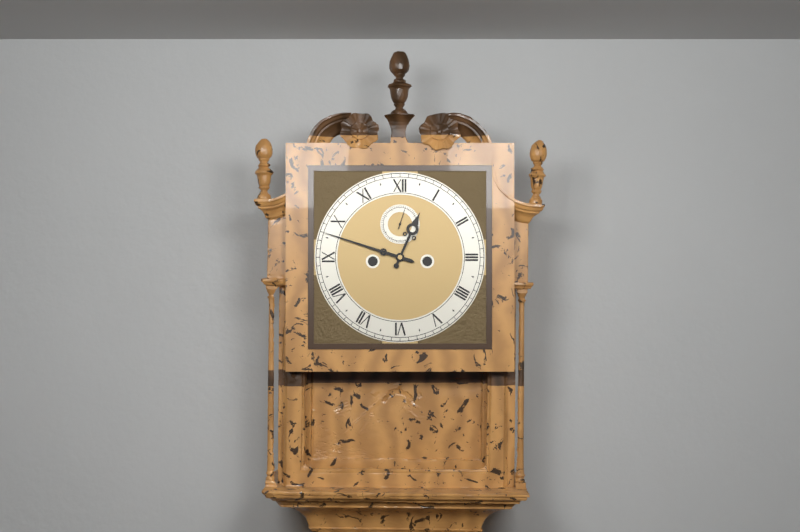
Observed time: 12:48
